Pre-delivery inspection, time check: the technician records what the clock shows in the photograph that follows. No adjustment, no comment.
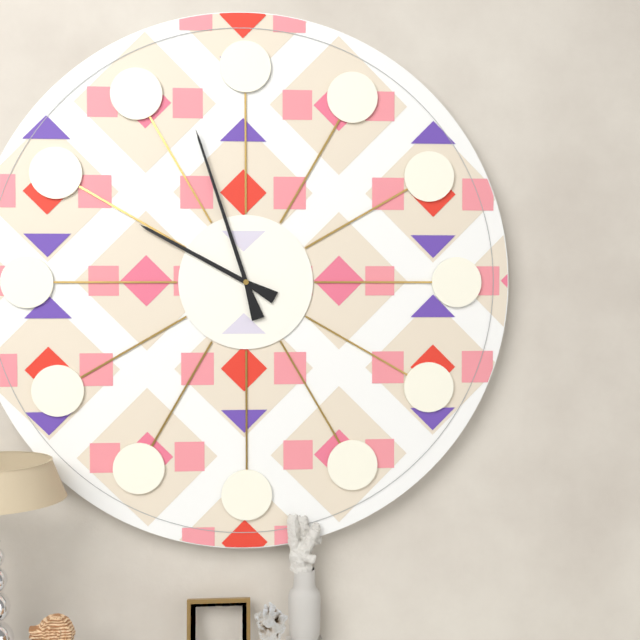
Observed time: 9:57
